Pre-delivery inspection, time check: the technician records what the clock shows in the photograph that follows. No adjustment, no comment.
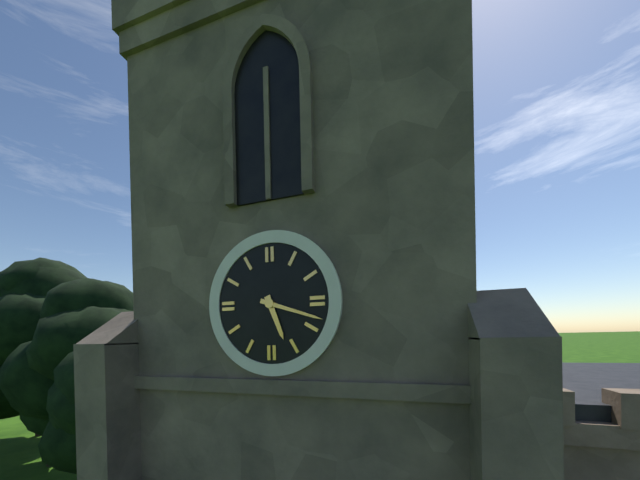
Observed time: 5:18
